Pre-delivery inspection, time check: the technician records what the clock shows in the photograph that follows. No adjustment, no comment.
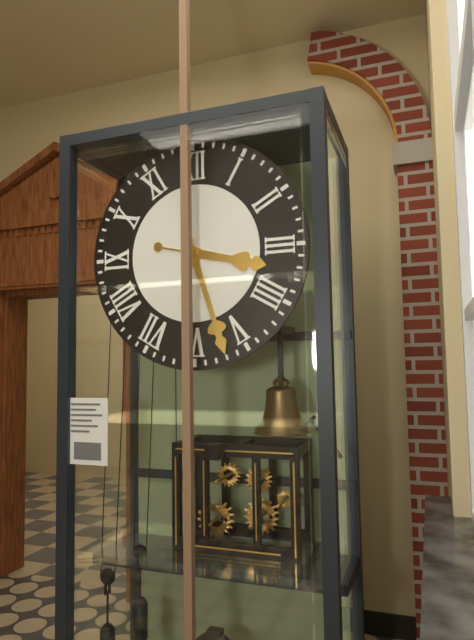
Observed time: 3:27
